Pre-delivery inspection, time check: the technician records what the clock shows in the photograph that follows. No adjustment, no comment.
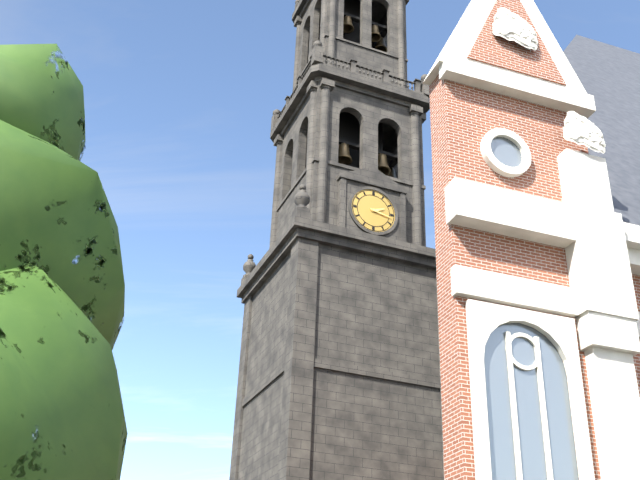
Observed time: 2:17
